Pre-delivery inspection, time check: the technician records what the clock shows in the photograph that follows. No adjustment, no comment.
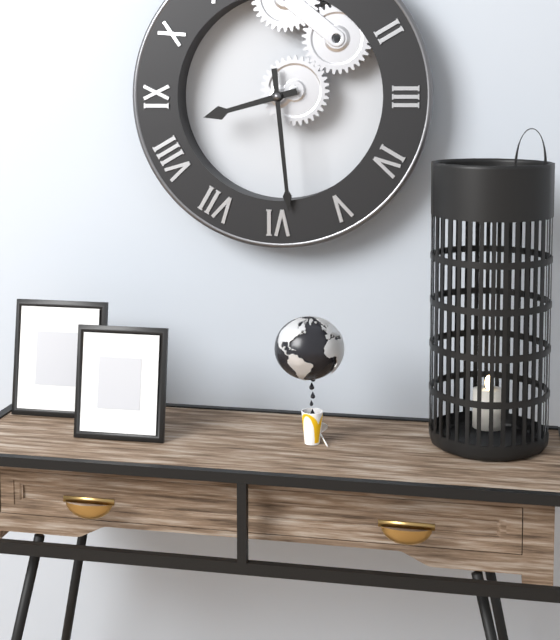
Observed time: 8:29
